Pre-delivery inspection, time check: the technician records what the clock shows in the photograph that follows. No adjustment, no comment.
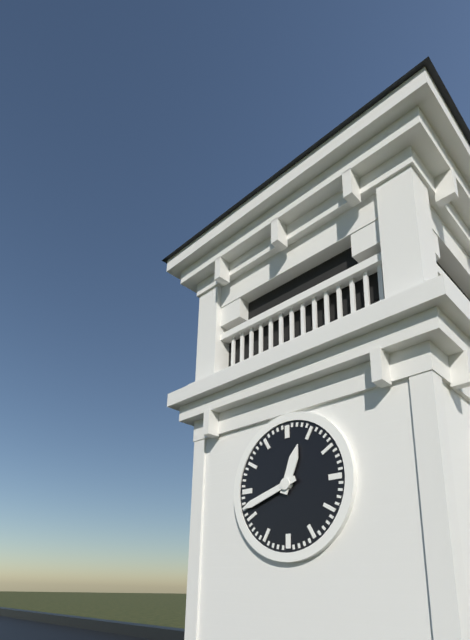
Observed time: 12:42
